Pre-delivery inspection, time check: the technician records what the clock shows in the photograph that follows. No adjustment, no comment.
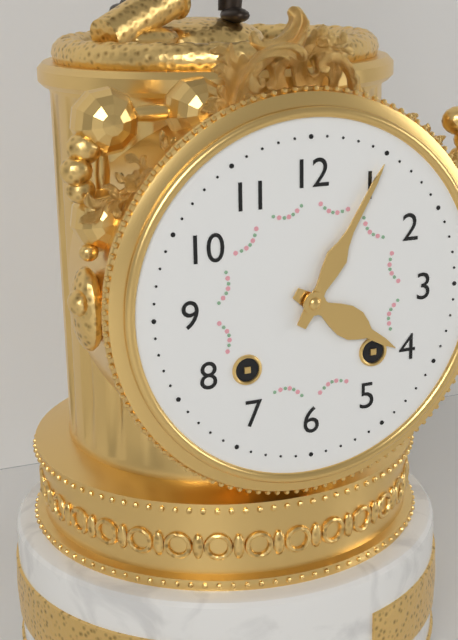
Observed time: 4:05
